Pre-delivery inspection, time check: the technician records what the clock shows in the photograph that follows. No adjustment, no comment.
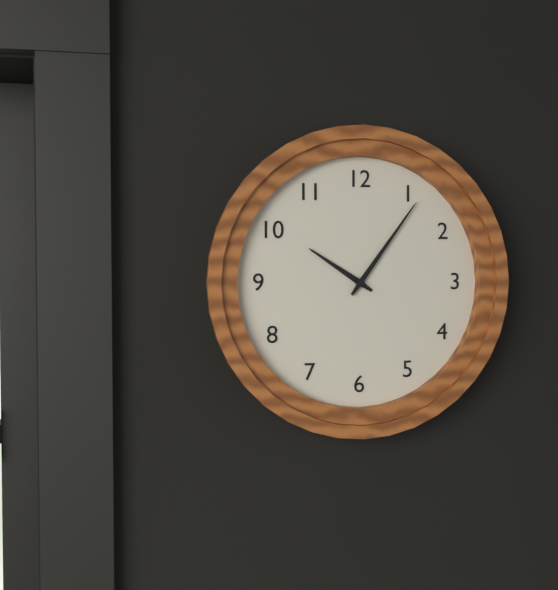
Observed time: 10:06
